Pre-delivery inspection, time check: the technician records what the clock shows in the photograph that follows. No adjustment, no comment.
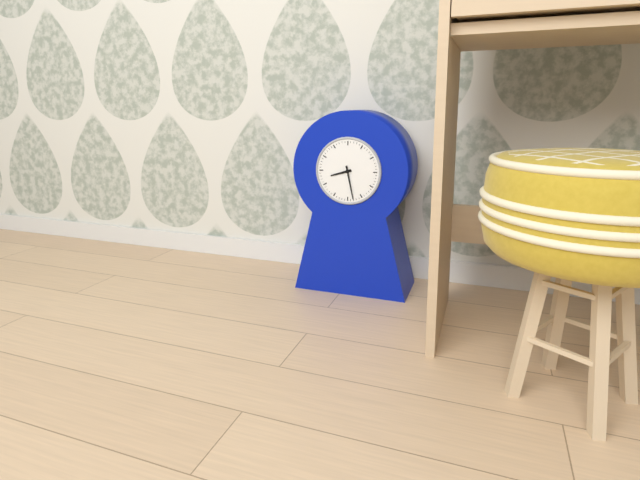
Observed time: 8:28
